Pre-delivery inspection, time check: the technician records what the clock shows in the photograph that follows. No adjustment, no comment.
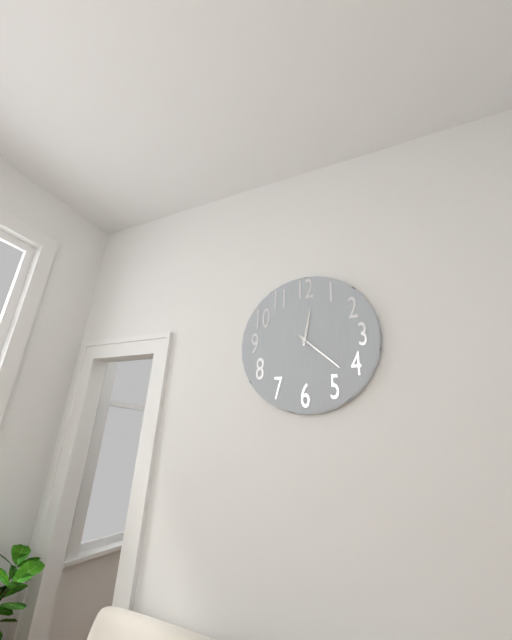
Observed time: 12:22
